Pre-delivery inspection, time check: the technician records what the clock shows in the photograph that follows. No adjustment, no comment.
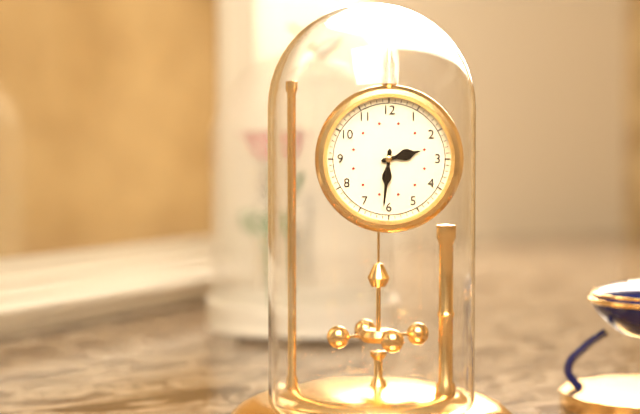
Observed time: 2:31
